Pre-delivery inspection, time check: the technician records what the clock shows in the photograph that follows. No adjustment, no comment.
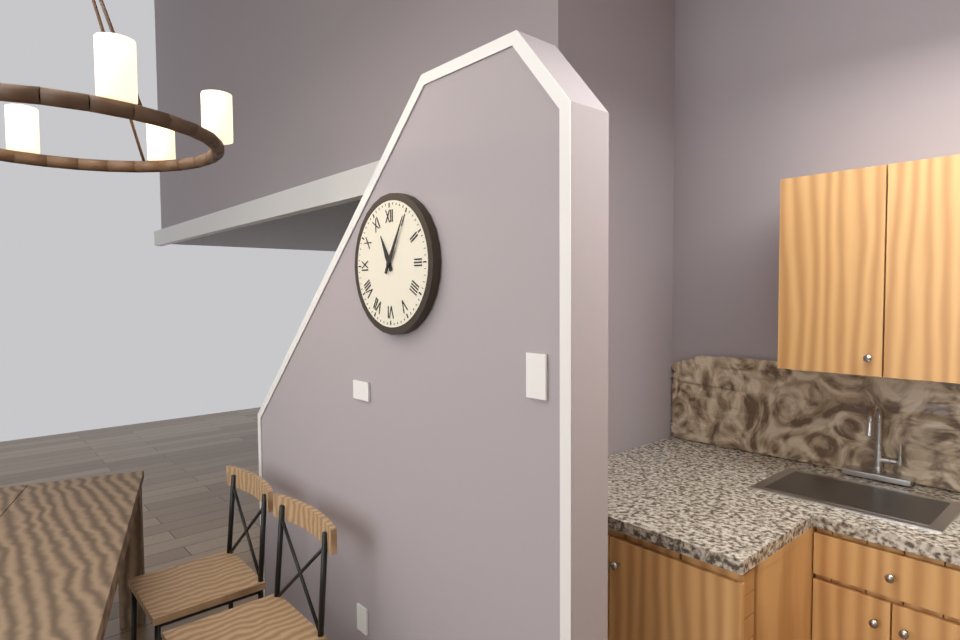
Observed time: 11:05
